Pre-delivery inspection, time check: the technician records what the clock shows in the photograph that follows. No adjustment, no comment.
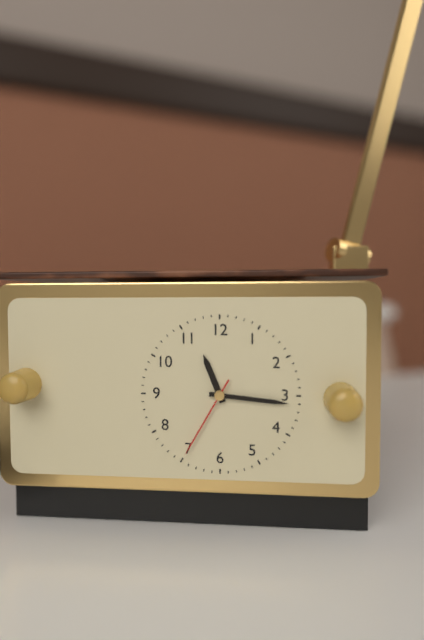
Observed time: 11:16:35
